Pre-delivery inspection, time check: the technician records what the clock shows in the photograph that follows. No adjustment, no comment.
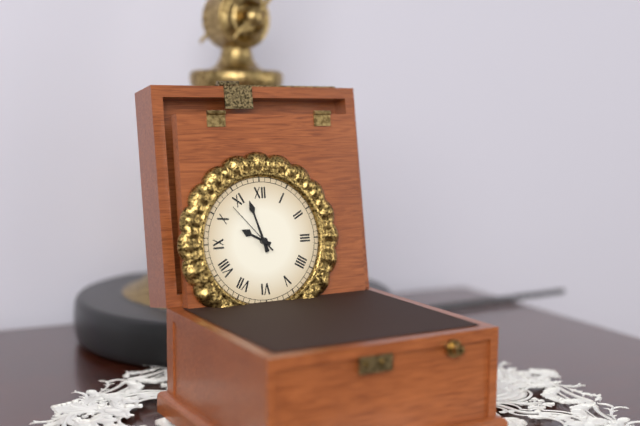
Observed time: 9:57:53
